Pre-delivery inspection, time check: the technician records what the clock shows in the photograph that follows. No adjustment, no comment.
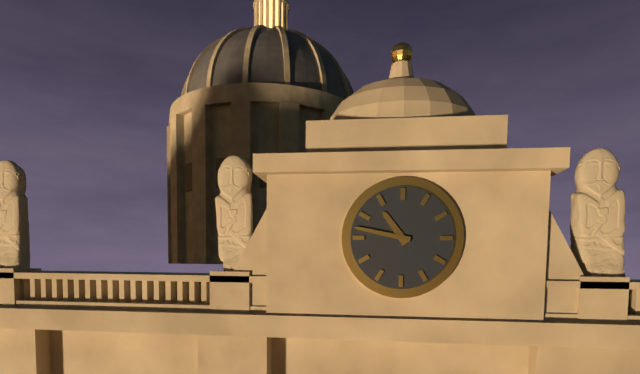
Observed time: 10:47
